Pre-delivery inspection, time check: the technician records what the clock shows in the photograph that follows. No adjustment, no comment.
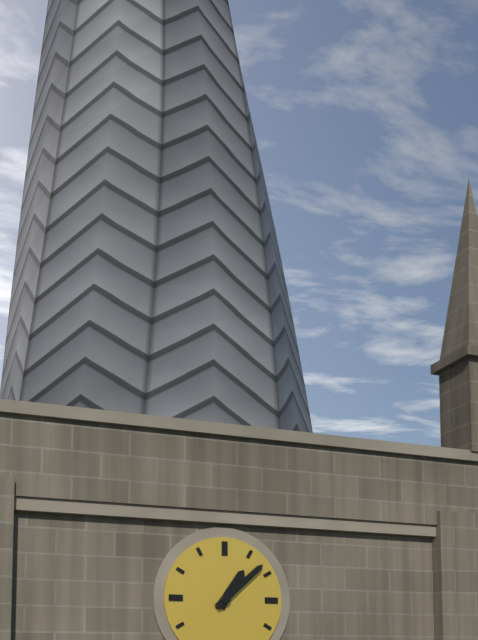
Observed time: 1:08
